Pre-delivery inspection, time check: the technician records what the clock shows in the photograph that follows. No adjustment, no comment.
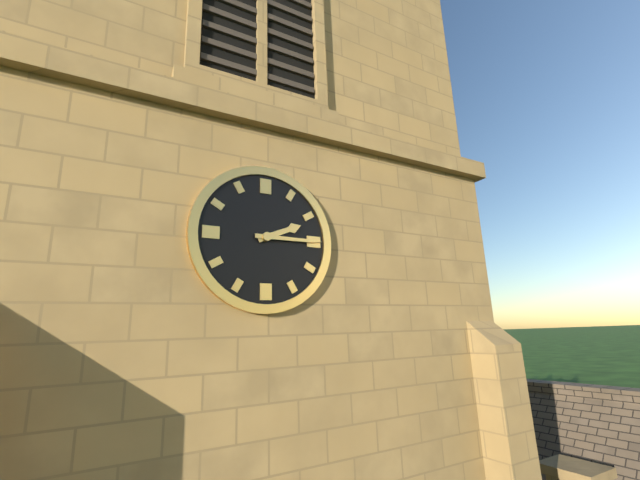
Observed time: 2:15
